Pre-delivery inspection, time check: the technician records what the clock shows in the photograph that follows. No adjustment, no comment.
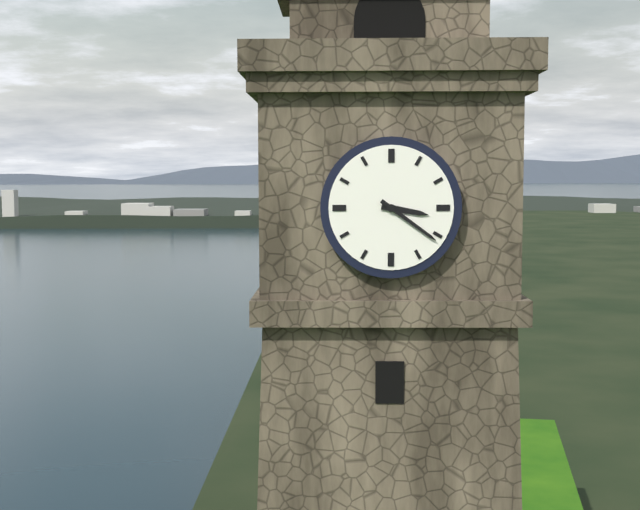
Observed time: 3:21
